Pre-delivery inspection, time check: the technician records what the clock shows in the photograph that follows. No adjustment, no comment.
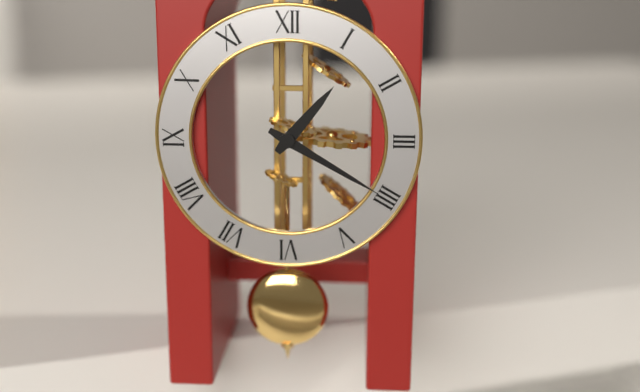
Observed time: 1:20
